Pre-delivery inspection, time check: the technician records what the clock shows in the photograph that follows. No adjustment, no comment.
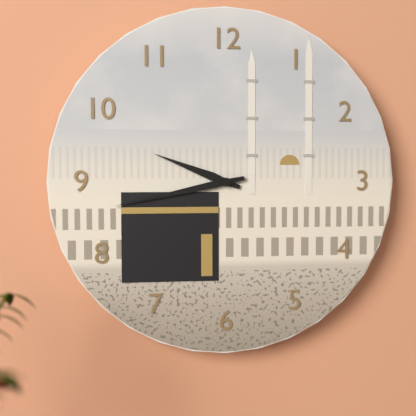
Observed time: 9:43
